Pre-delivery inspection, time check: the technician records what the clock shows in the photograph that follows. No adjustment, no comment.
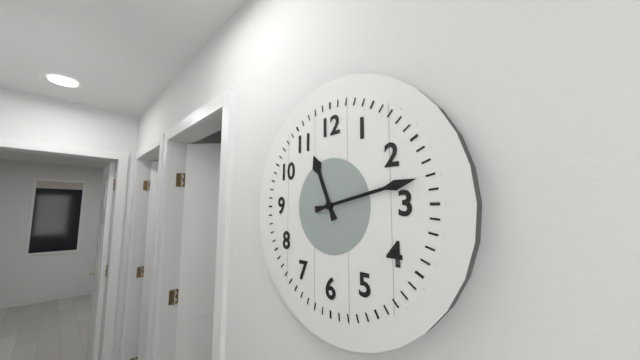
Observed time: 11:13
